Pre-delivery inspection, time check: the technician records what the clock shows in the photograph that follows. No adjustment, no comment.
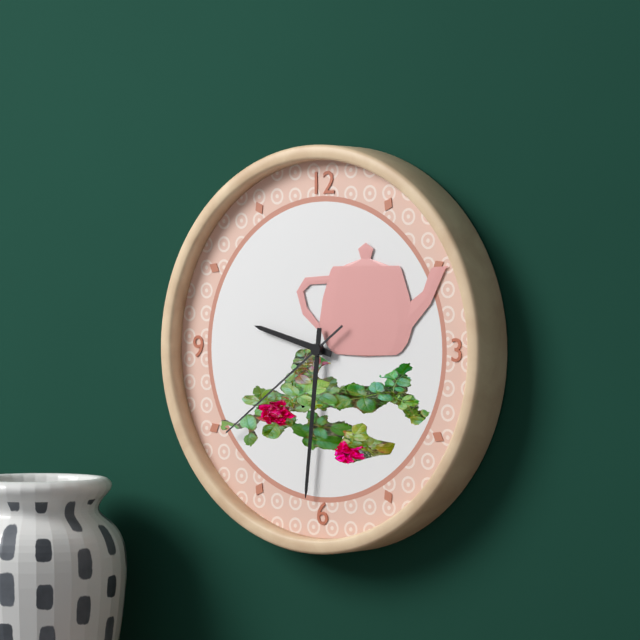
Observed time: 9:31:39
